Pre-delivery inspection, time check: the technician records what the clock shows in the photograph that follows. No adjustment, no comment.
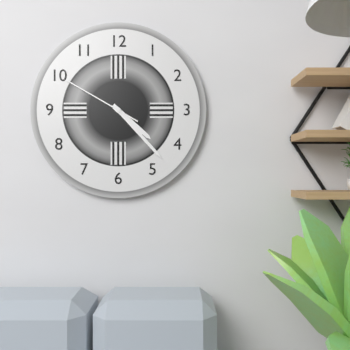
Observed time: 4:23:50
